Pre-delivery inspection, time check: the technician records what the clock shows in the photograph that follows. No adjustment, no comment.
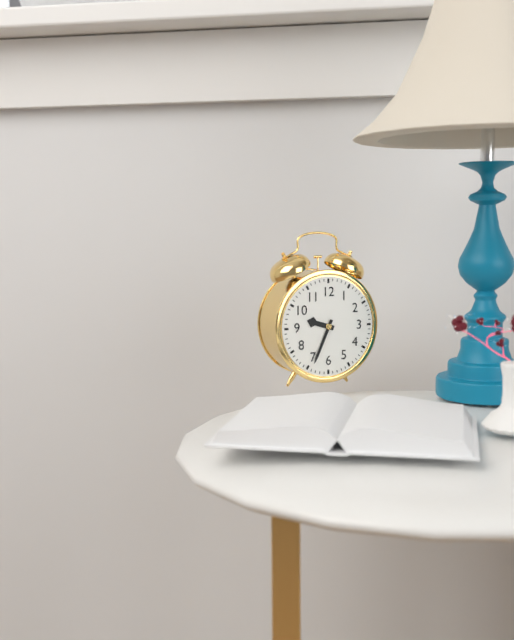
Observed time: 9:34
